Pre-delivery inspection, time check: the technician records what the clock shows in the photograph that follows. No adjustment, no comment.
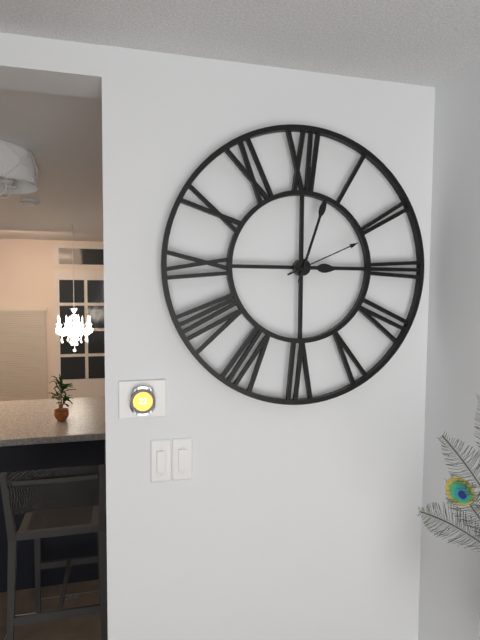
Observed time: 3:03:11
